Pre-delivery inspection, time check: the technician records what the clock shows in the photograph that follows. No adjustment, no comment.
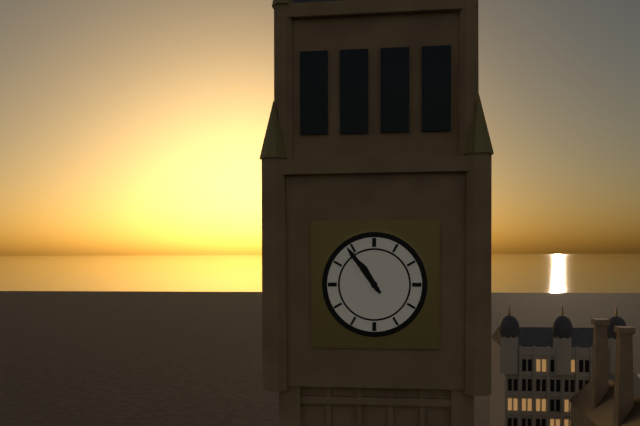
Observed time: 10:54
